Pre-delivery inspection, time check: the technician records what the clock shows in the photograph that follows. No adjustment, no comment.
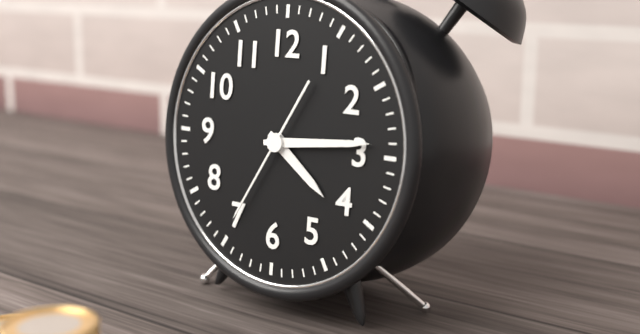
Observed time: 4:14:35
